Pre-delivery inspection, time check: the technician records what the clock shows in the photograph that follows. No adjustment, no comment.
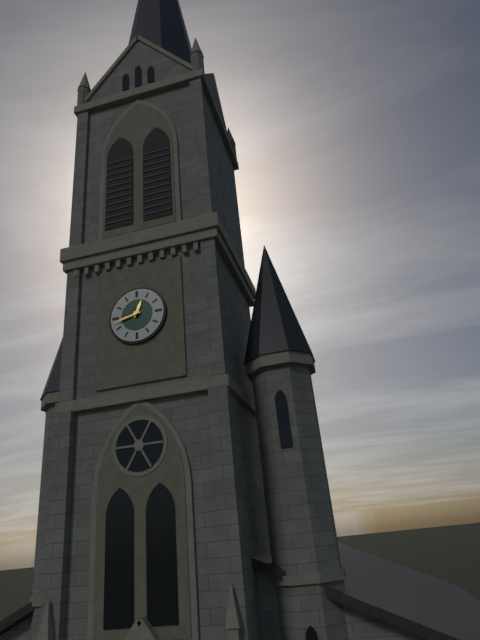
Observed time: 12:43
